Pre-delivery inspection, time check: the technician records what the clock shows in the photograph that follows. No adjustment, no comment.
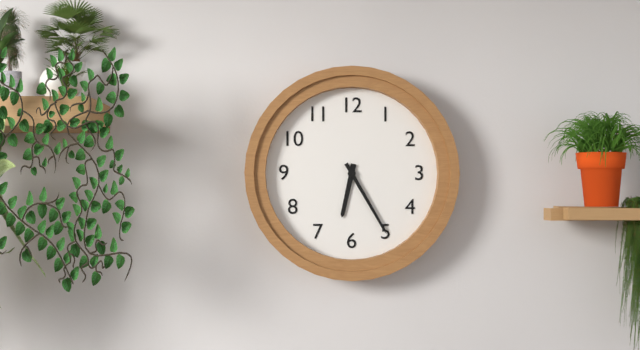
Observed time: 6:25
